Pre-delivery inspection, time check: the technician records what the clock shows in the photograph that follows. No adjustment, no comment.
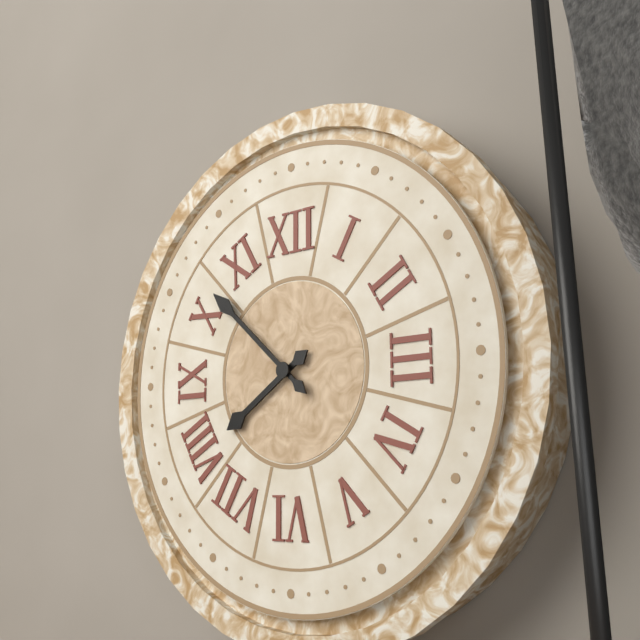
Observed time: 7:52
